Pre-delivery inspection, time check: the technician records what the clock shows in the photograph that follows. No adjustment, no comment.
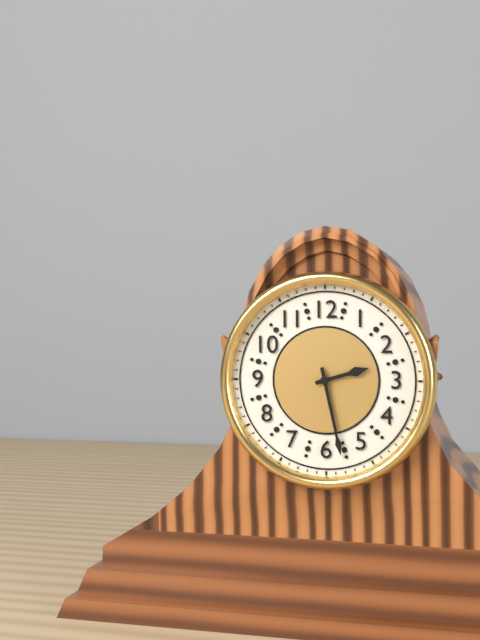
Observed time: 2:28
